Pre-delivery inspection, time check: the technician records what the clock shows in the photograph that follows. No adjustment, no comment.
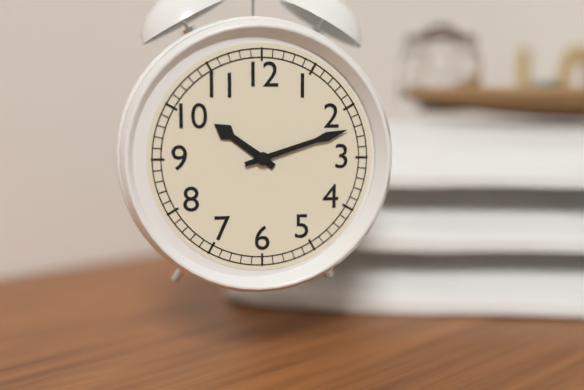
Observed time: 10:12
